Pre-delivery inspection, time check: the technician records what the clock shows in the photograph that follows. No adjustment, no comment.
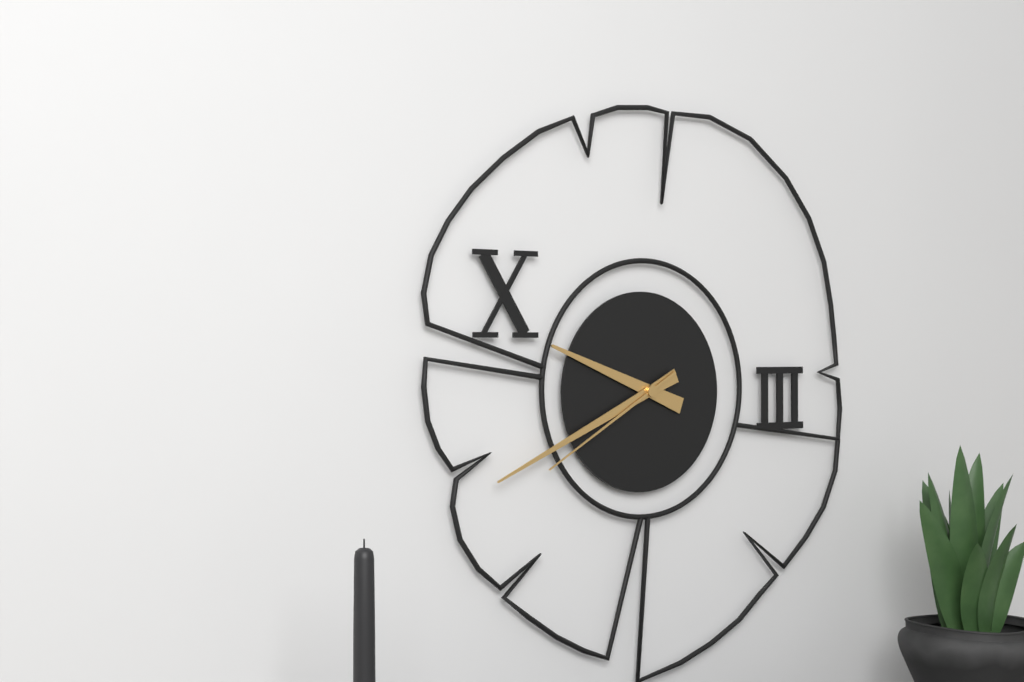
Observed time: 9:41:40
